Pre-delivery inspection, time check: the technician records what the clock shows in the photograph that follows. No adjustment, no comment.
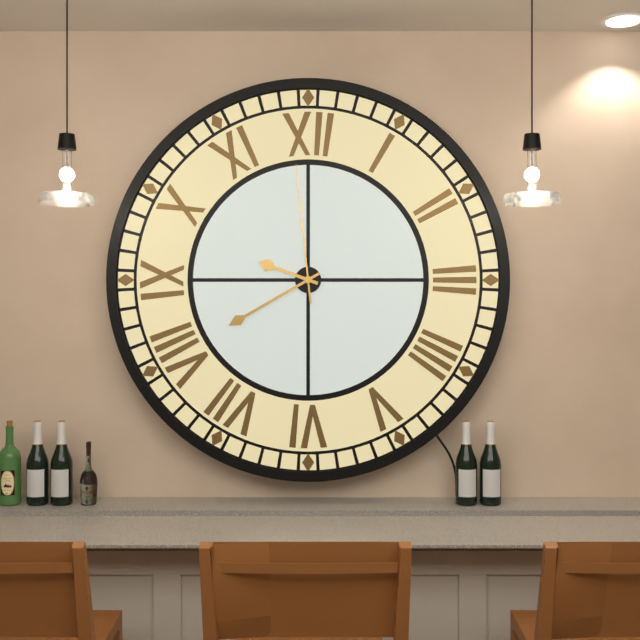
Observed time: 9:40:59
